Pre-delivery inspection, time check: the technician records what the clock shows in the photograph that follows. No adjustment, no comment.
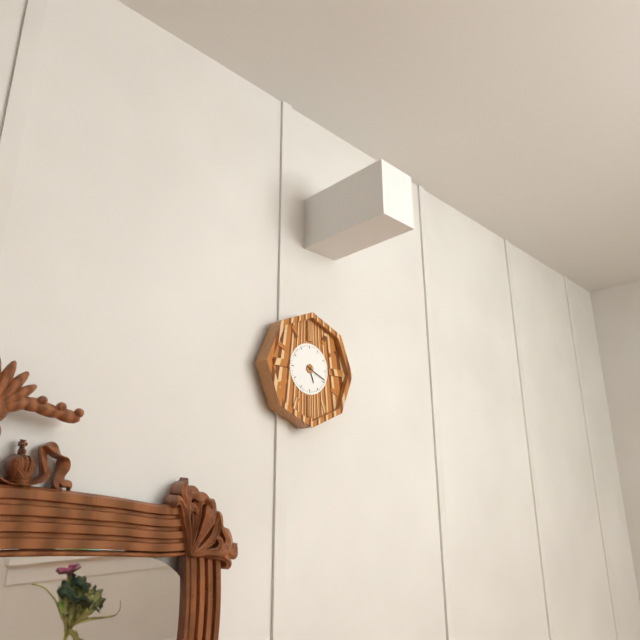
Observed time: 5:19
